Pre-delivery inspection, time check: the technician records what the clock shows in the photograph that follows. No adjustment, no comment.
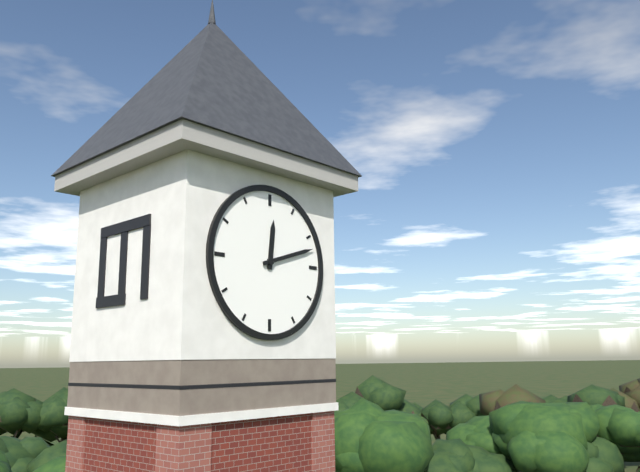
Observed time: 12:12
